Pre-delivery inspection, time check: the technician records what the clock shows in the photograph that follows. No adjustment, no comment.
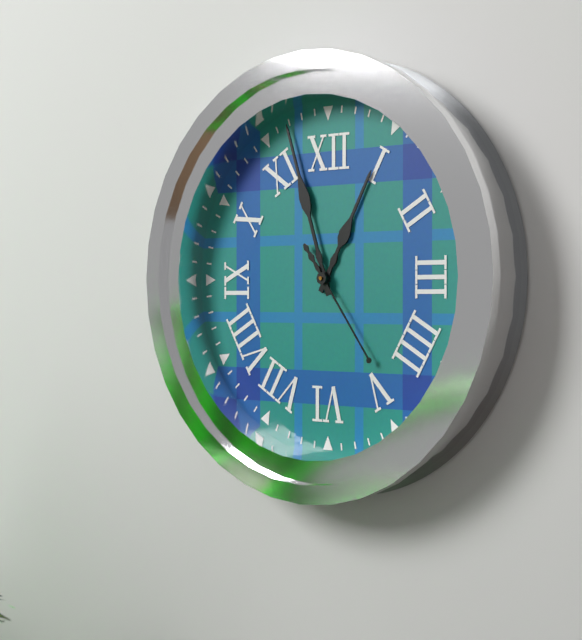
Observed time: 12:57:24
